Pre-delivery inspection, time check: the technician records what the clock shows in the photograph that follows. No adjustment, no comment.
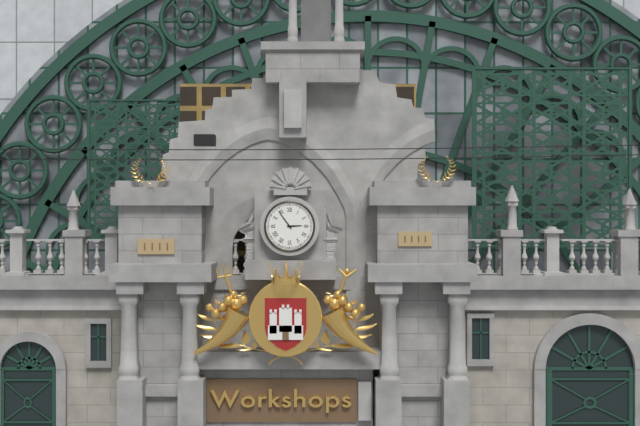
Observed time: 2:54
